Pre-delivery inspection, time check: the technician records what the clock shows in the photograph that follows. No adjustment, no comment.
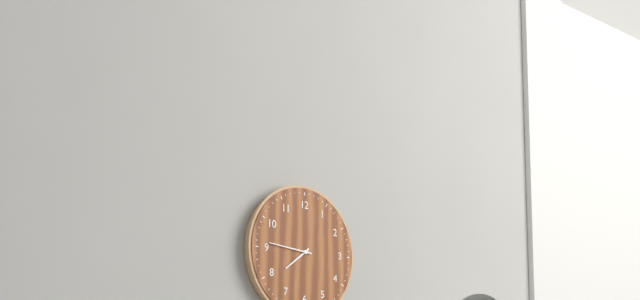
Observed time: 7:46
